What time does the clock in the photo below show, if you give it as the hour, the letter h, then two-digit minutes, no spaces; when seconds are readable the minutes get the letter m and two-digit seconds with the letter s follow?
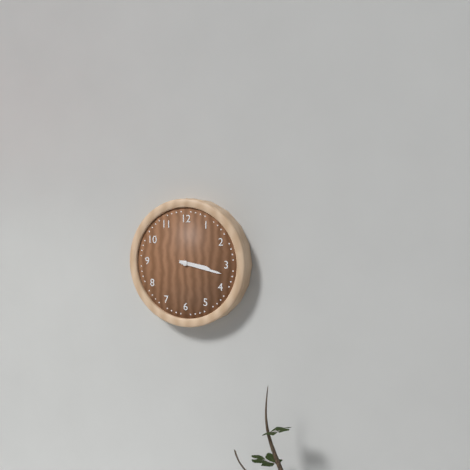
3h17
